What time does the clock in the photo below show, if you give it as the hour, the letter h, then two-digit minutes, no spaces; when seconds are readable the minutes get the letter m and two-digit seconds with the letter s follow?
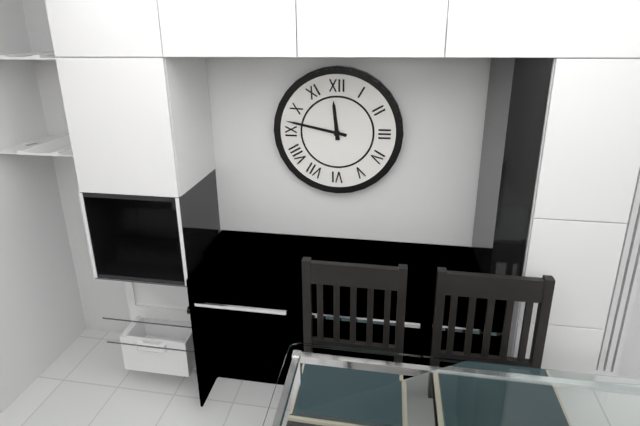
11h47
